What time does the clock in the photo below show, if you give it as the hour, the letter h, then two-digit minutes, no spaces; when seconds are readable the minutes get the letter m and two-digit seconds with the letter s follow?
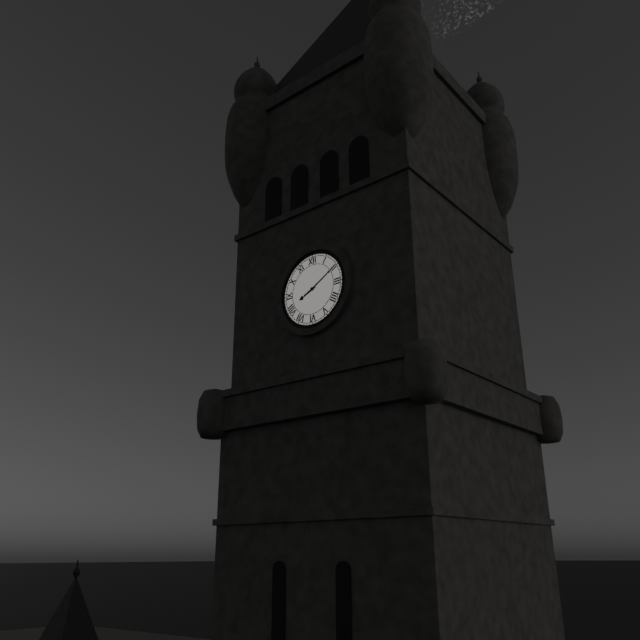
8h10
